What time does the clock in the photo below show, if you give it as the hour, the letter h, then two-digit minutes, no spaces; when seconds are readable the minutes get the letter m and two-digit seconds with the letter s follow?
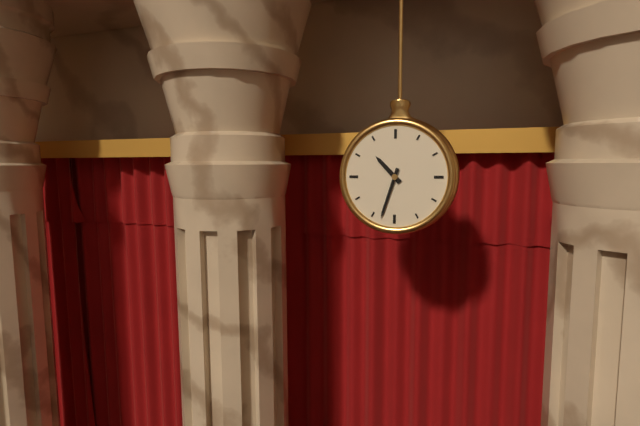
10h33
